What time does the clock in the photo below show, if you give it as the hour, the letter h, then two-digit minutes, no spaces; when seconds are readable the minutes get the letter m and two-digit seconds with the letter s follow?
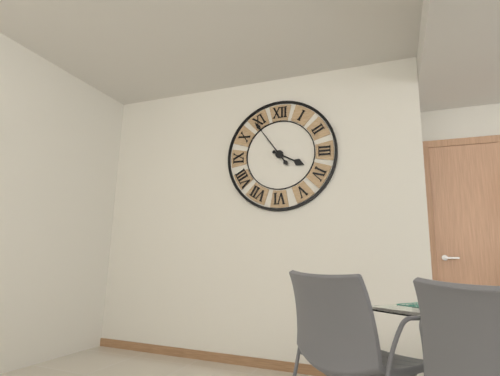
3h54
